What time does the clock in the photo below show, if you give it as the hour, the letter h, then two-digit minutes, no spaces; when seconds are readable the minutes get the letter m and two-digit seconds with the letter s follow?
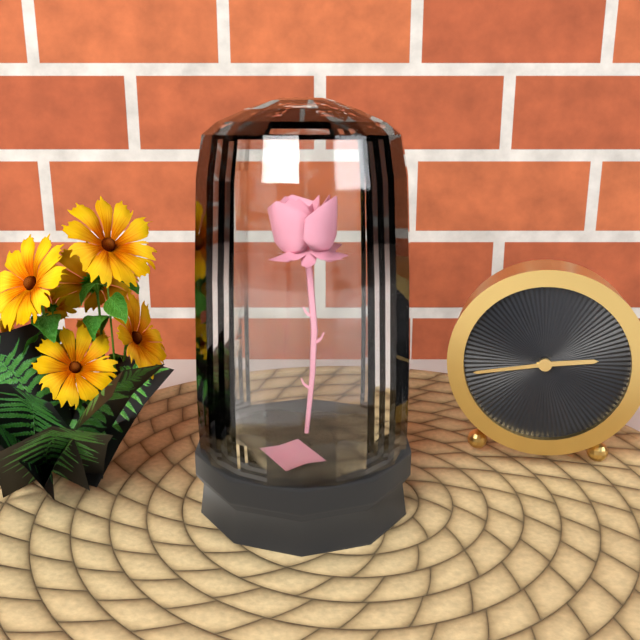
2h43
